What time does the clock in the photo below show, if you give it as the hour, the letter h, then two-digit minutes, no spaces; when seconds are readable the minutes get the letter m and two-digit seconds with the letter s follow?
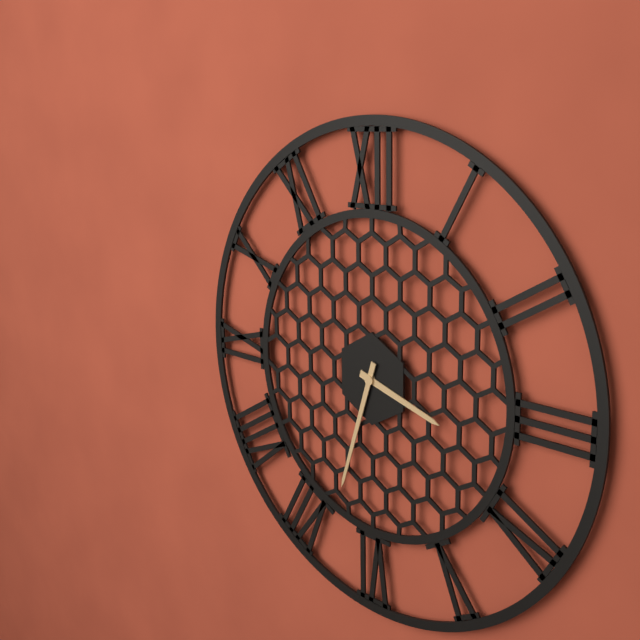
3h33
